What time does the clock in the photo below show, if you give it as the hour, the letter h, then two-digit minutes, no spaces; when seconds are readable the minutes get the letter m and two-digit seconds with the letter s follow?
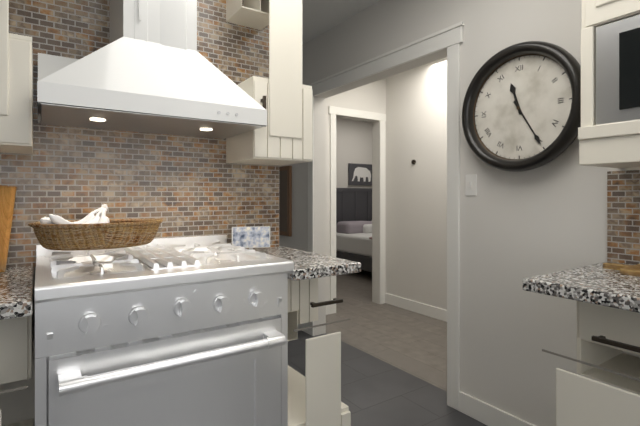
11h25
